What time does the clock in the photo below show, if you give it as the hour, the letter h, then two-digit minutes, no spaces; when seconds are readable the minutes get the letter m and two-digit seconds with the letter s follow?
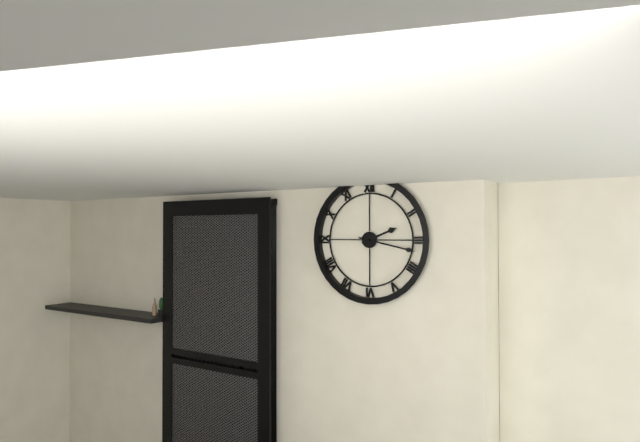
2h17
